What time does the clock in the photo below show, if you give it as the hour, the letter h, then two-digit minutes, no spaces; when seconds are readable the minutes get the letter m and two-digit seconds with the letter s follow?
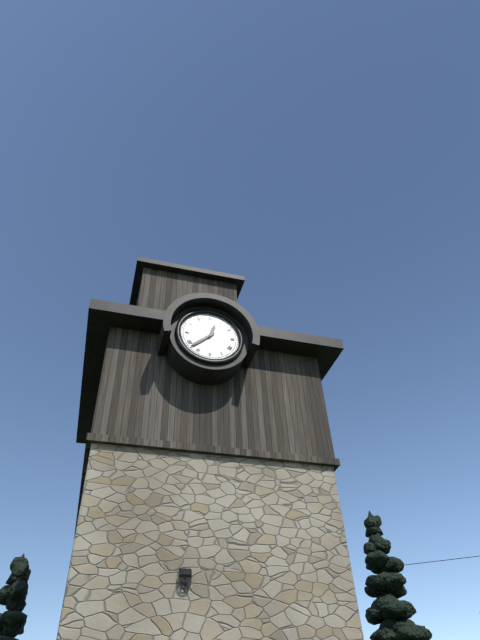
12h38
